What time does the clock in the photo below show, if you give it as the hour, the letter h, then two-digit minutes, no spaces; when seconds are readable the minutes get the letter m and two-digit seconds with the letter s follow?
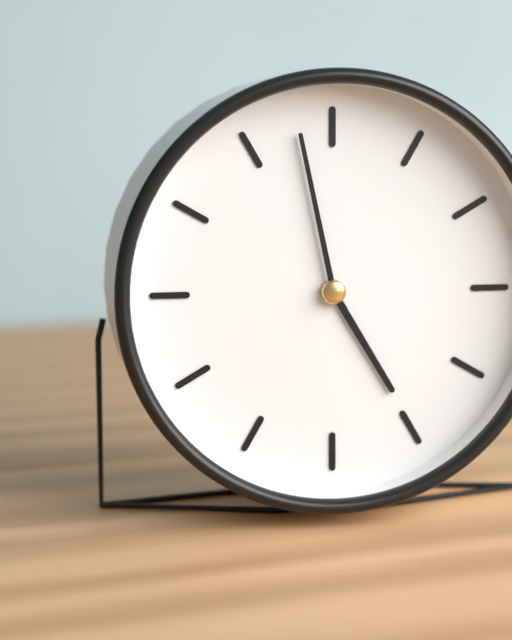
4h58
